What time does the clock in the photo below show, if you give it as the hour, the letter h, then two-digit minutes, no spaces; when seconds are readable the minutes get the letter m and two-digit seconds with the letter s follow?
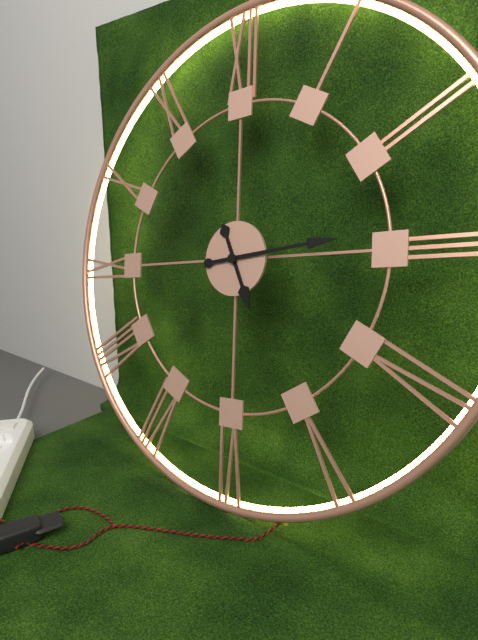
5h14
